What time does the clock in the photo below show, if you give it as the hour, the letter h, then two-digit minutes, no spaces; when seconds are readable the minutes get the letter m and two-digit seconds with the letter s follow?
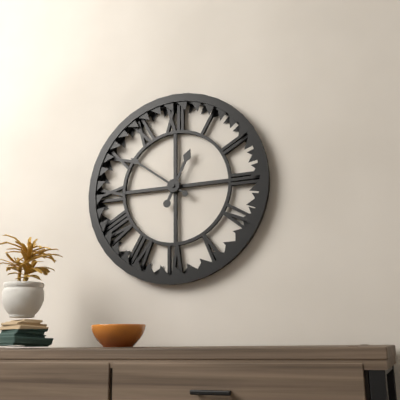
12h51
